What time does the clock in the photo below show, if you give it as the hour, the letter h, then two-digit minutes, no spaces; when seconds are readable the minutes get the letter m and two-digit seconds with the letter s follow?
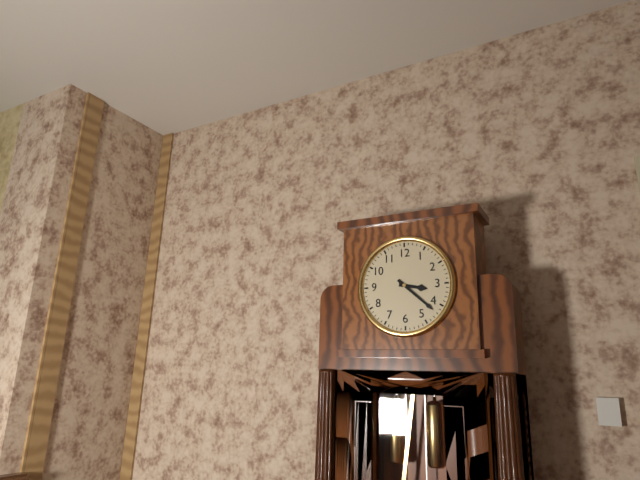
3h22
